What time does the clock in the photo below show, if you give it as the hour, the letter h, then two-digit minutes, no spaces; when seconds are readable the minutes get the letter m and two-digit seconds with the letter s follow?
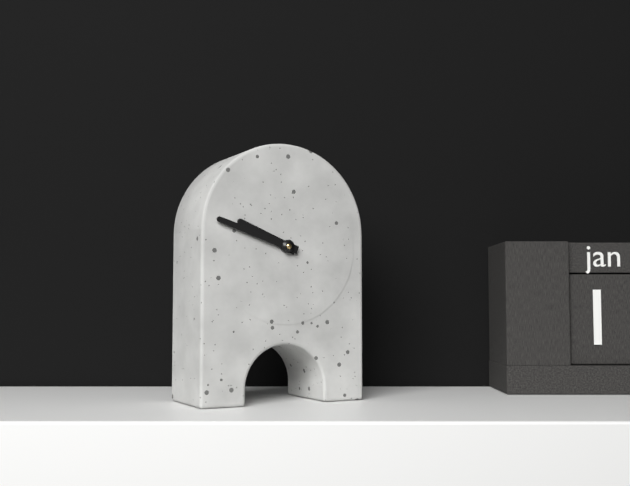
9h48
